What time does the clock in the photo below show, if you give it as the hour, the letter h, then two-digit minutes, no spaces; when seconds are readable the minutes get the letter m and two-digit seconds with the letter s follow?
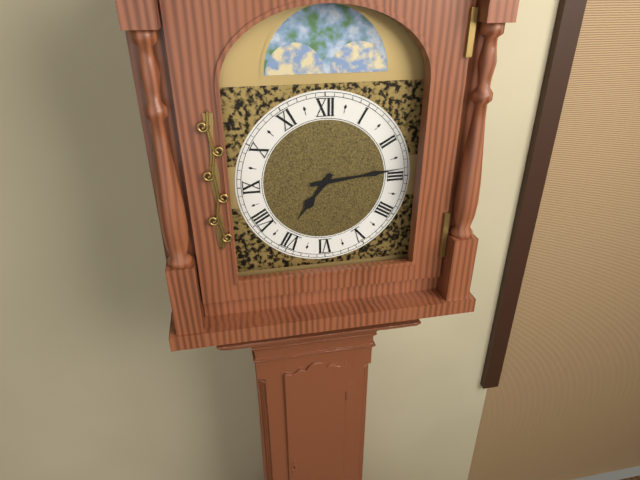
7h14
